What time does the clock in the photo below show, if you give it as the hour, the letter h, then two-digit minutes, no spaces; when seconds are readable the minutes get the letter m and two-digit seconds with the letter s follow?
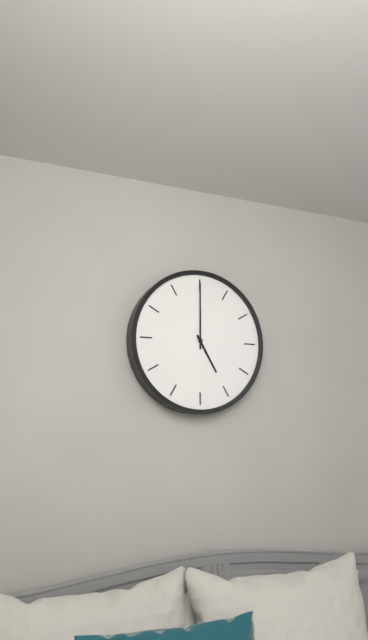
5h00
